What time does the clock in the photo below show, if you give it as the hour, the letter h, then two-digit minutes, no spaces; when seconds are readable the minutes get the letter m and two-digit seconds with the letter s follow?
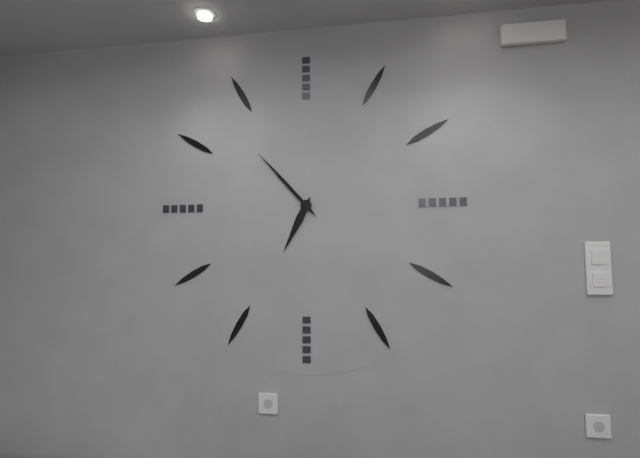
6h53
